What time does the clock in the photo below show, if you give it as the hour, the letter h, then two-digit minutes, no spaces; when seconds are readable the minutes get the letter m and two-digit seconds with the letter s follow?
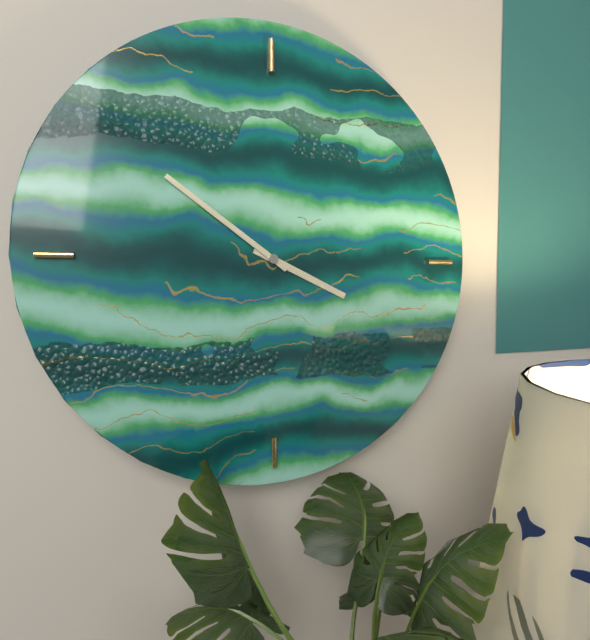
3h51
